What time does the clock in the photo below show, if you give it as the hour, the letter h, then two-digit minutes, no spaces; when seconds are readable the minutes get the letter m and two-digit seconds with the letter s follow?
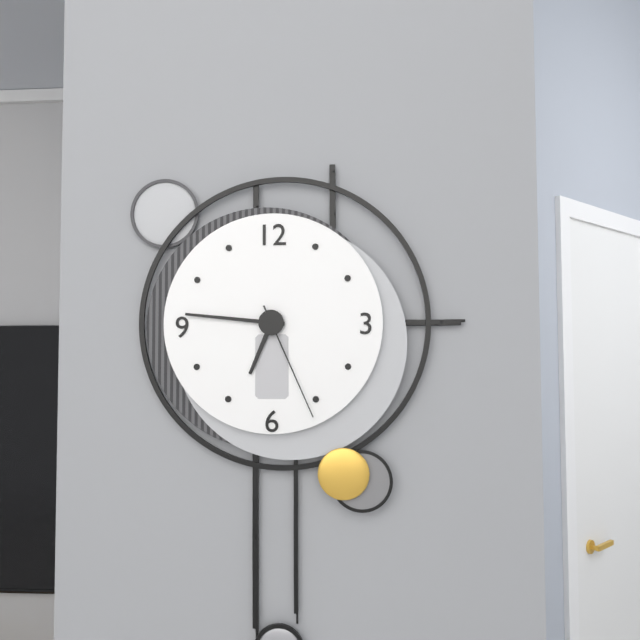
6h46m26s
